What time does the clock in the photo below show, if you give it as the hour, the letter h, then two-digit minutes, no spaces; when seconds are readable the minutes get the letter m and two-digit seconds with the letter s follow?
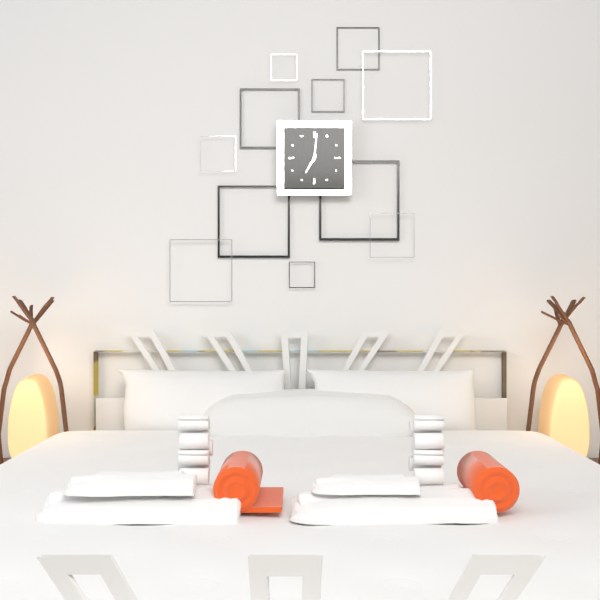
7h01
